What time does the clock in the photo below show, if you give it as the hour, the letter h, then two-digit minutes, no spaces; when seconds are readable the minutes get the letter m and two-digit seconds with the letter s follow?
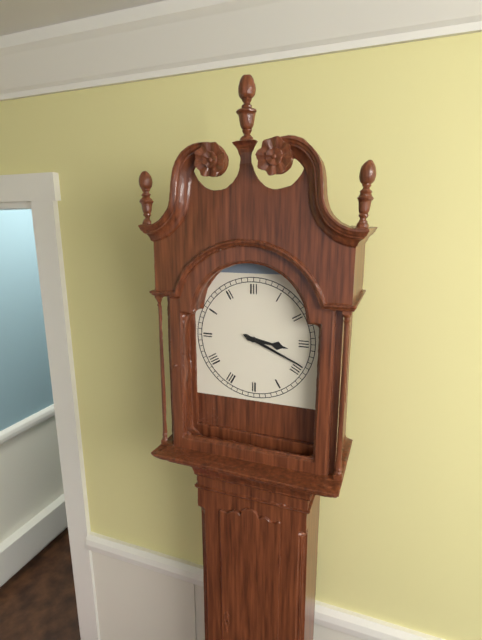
3h19
